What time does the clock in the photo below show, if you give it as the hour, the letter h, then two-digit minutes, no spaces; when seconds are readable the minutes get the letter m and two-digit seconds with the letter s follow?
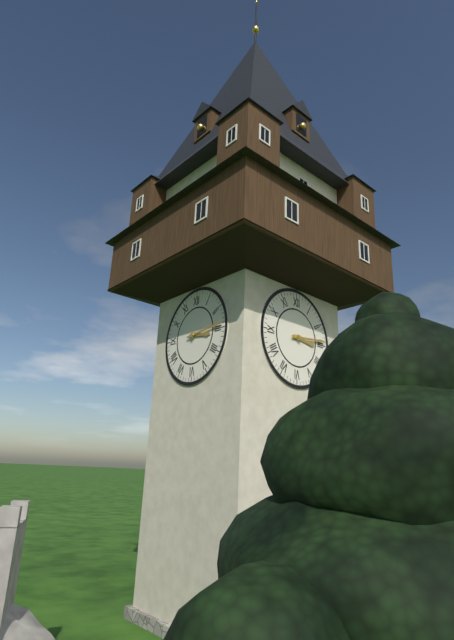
3h14
